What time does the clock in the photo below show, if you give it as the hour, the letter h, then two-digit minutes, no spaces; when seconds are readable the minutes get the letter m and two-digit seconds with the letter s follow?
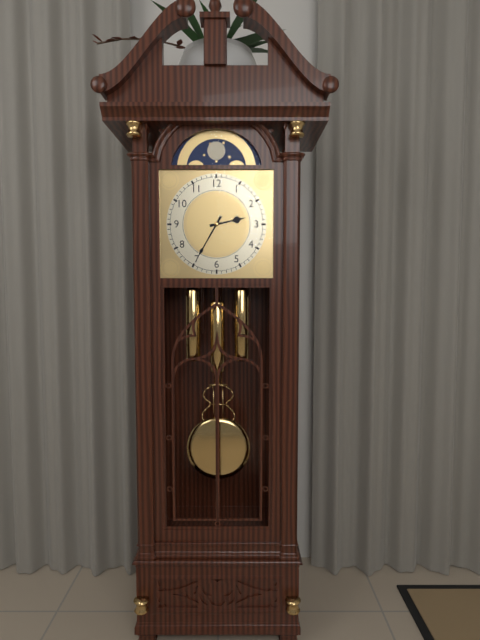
2h35
